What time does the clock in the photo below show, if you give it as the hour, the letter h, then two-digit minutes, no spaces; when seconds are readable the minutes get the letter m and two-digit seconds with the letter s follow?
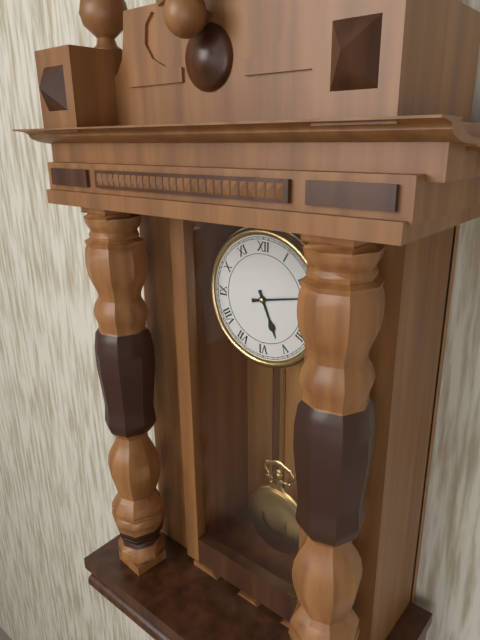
5h13
